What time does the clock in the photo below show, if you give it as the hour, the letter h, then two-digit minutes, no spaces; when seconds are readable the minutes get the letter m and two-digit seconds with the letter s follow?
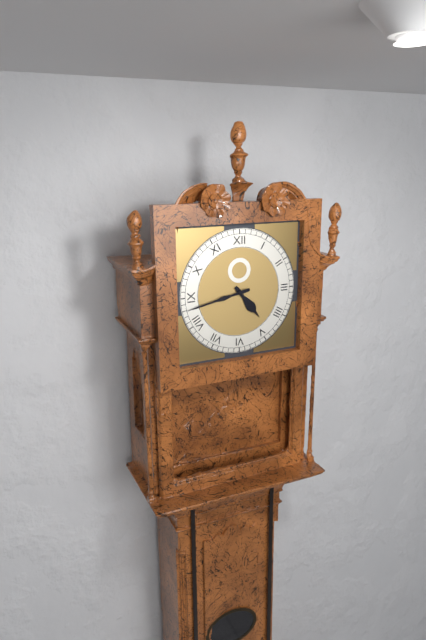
4h43
